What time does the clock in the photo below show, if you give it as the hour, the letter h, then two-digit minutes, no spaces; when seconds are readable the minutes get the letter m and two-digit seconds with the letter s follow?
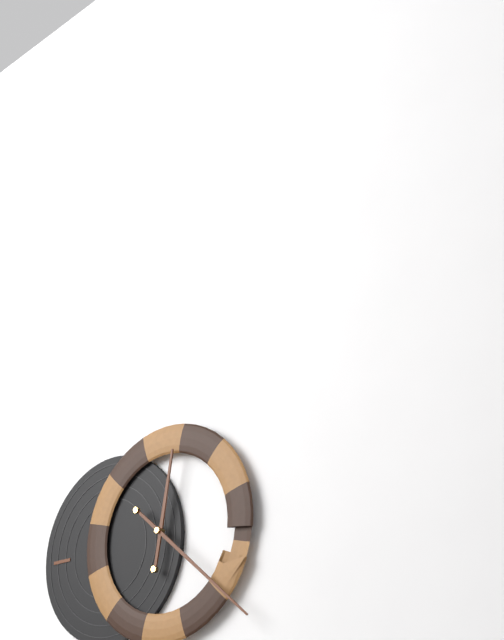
12h22
